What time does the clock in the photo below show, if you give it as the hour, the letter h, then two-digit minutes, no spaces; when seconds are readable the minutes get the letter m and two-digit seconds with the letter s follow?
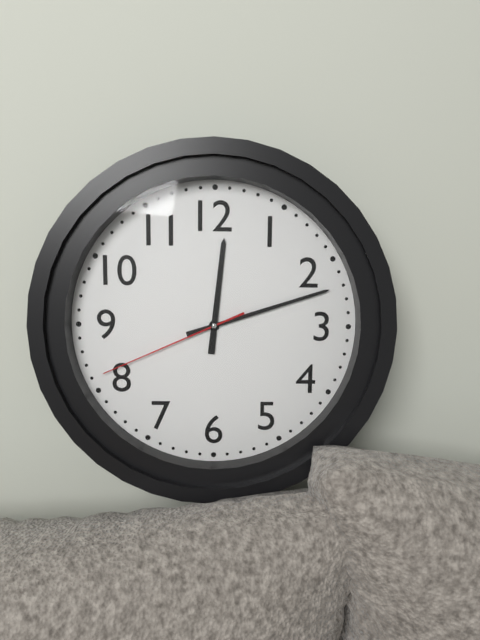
12h12m41s
